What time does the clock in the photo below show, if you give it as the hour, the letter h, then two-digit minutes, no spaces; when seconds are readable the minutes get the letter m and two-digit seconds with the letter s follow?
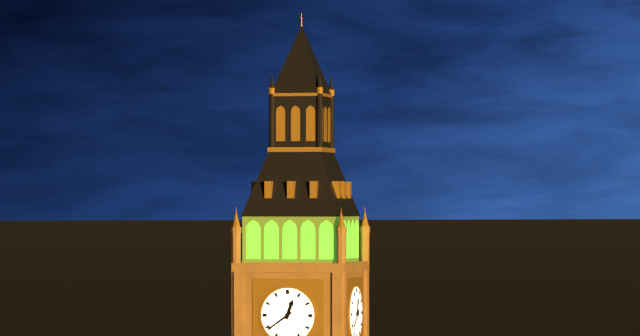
12h39
